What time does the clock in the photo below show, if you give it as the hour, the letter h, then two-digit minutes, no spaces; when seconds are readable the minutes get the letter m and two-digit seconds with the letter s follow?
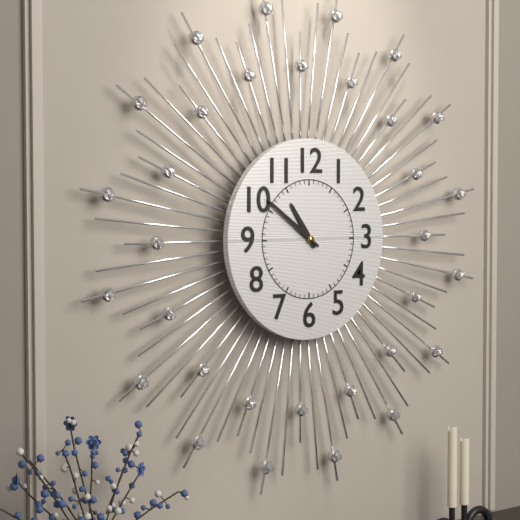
10h51
